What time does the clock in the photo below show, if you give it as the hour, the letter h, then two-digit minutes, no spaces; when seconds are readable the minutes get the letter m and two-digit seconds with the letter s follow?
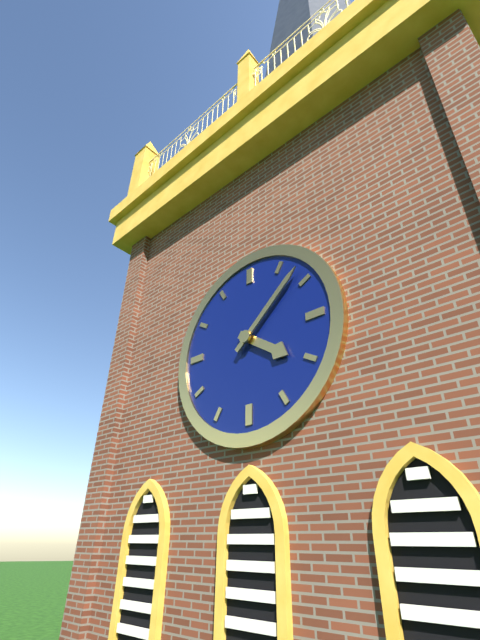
4h08
